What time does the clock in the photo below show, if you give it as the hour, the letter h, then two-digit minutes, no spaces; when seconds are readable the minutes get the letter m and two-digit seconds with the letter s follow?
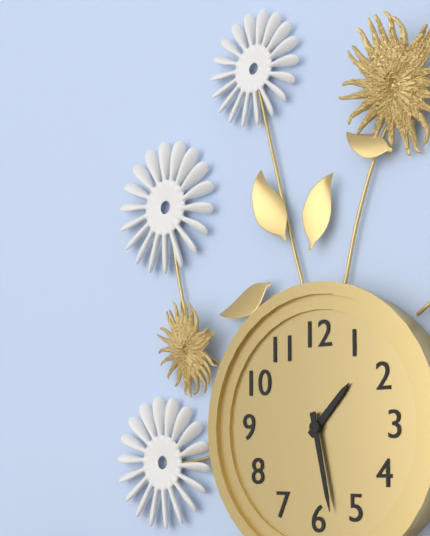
1h28
